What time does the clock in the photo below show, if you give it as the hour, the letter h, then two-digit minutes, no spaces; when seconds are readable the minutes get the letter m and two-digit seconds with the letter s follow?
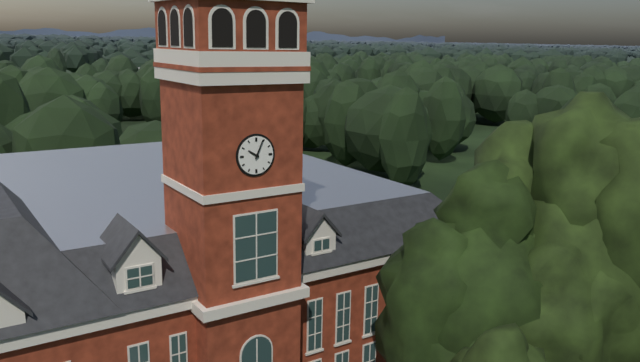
10h04
